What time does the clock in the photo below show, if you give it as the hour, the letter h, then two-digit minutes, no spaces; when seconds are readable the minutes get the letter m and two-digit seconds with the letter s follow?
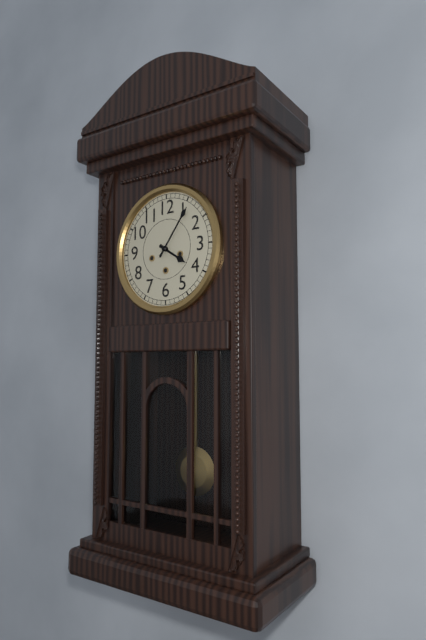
4h06
